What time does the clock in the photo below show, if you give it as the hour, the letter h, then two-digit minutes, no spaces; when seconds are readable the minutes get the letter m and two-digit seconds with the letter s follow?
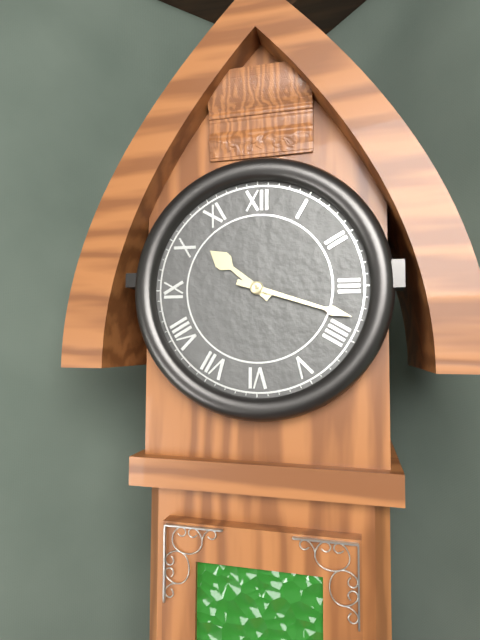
10h18
